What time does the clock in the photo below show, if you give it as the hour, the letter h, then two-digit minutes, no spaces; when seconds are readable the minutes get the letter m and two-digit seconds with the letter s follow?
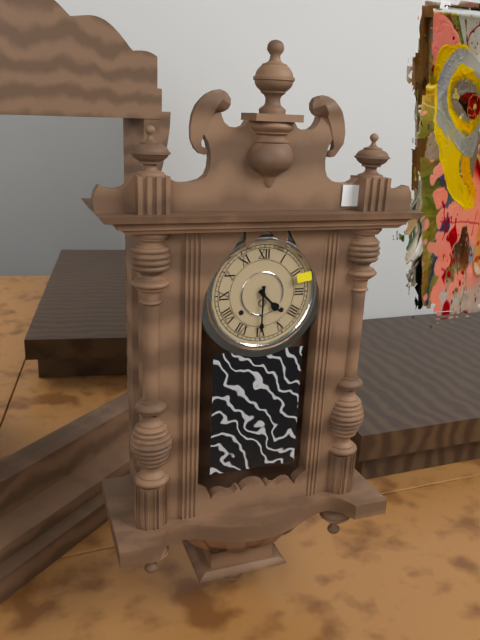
4h30
